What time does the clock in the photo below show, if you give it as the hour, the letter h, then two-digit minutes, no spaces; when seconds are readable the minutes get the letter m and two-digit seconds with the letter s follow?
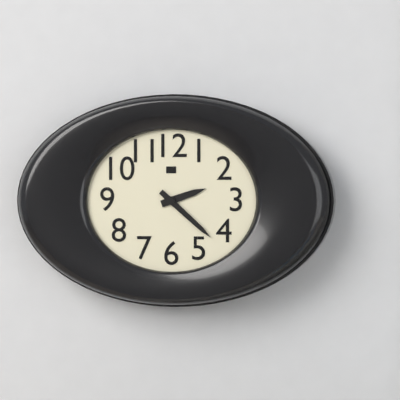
2h22
